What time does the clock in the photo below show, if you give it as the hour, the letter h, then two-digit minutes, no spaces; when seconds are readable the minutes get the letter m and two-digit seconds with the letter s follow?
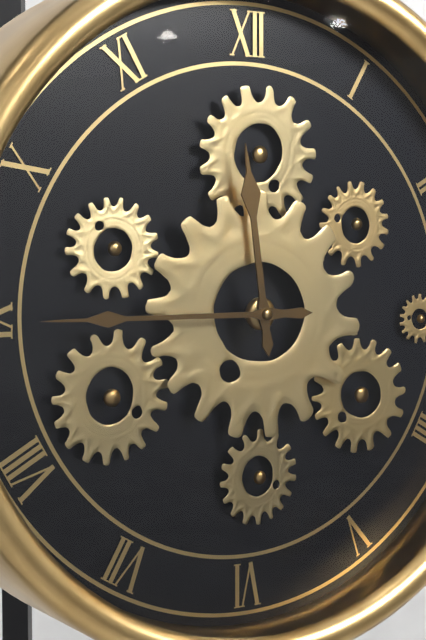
11h45
